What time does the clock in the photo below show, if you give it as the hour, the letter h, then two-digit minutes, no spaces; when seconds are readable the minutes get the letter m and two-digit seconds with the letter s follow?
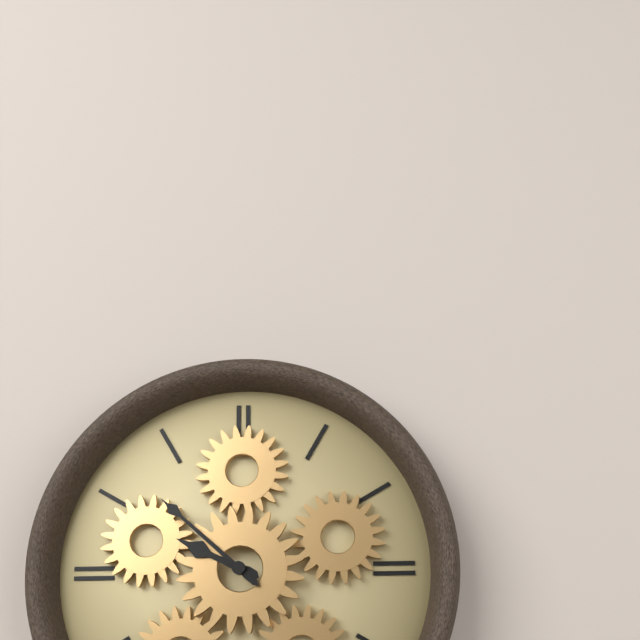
9h52
